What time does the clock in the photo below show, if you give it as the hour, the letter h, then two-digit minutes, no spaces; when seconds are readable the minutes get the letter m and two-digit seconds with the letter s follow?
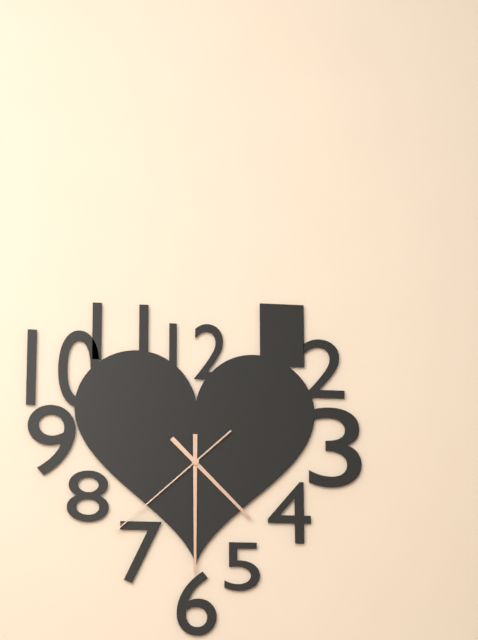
4h30m38s
